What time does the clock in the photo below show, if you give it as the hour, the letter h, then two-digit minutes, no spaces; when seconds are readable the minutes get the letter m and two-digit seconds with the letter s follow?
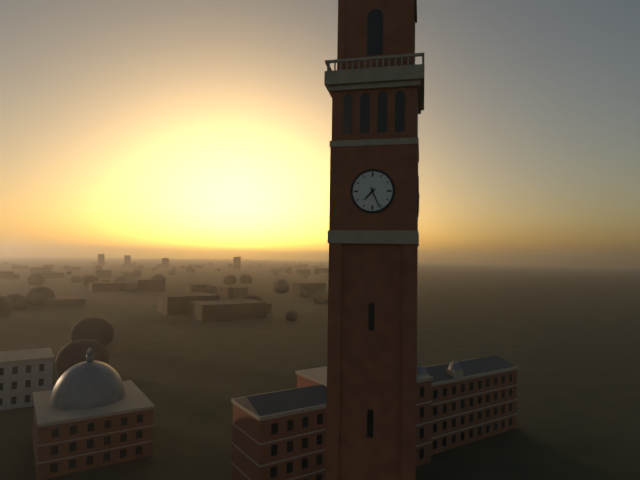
7h26
